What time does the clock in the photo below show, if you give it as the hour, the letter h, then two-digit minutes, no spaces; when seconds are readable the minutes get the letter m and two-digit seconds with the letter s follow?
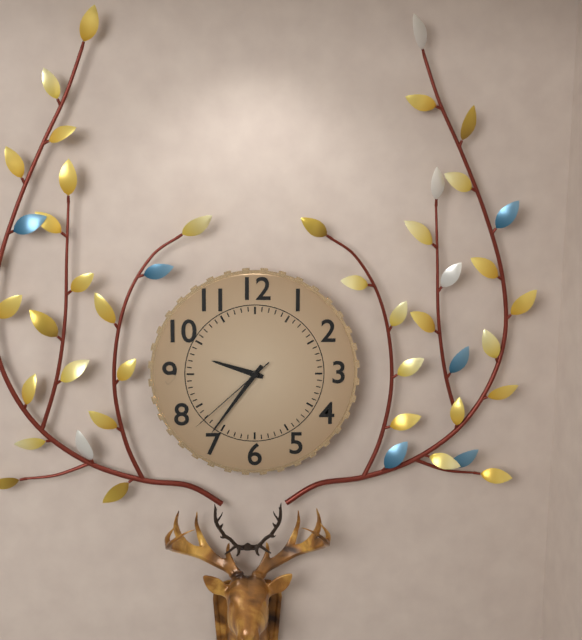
9h36m38s
